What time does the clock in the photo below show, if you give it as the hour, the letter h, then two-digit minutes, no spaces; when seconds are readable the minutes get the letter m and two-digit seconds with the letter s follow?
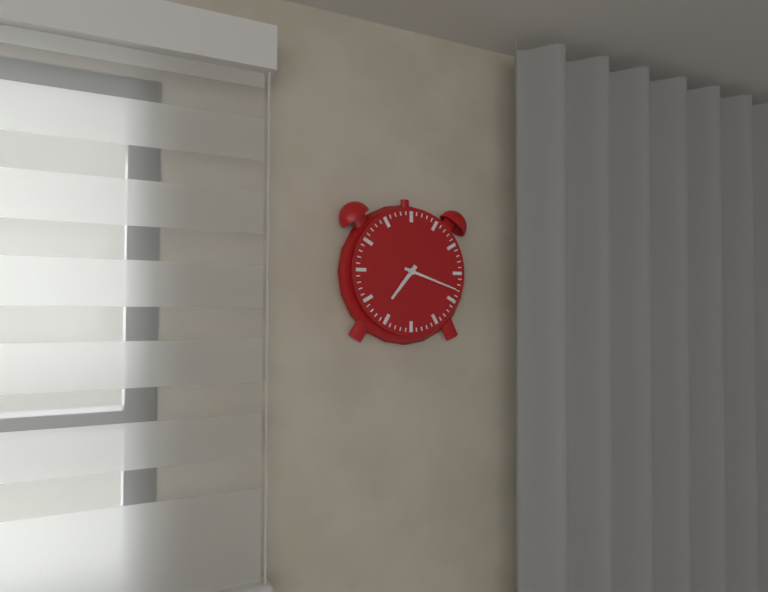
7h18
